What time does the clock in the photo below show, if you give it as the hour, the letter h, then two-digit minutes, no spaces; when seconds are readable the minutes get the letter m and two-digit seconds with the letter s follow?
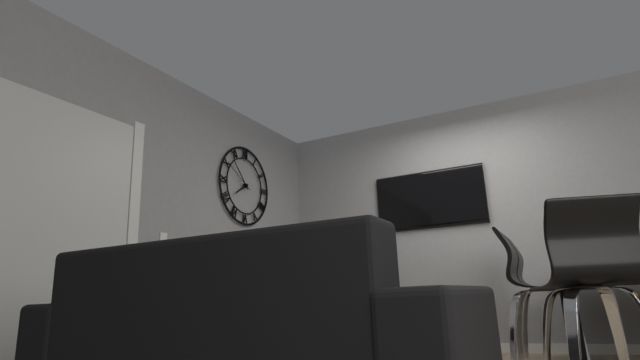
7h53
